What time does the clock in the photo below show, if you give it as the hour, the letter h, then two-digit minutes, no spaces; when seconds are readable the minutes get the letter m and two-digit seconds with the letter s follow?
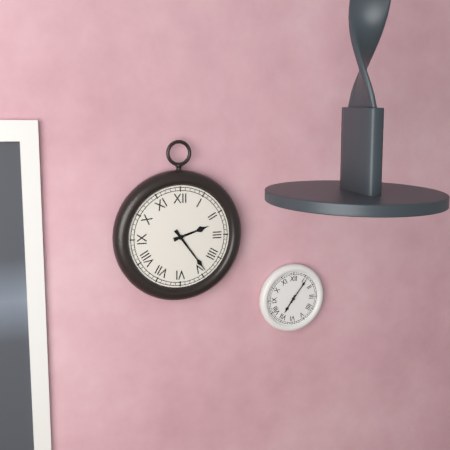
2h24
